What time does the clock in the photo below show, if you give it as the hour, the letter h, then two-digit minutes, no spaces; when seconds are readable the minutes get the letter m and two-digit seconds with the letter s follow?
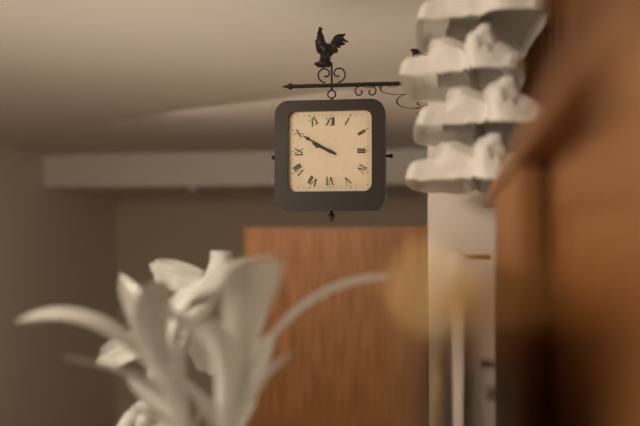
9h50
